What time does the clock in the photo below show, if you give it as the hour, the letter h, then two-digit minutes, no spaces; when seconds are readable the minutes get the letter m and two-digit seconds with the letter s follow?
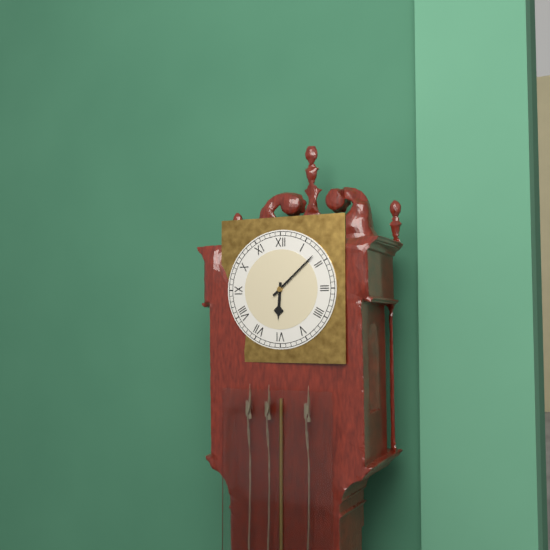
6h08
